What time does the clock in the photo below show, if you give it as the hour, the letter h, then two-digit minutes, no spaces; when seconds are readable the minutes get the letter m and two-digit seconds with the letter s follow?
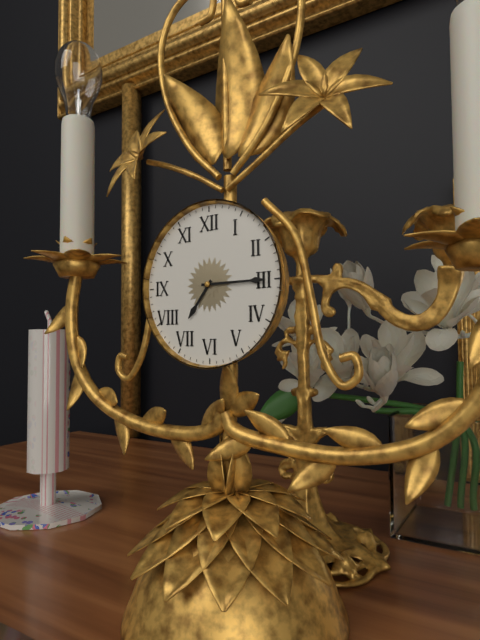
7h15
